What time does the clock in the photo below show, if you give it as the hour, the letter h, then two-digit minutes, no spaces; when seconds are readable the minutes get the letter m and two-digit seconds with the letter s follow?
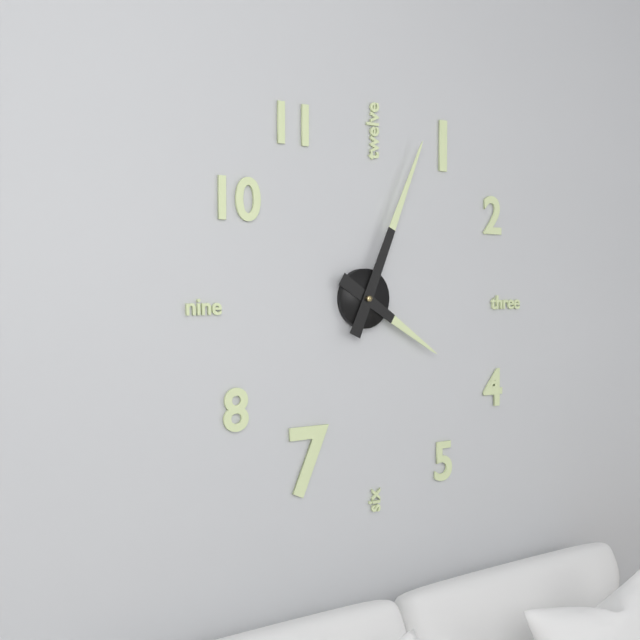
4h04
